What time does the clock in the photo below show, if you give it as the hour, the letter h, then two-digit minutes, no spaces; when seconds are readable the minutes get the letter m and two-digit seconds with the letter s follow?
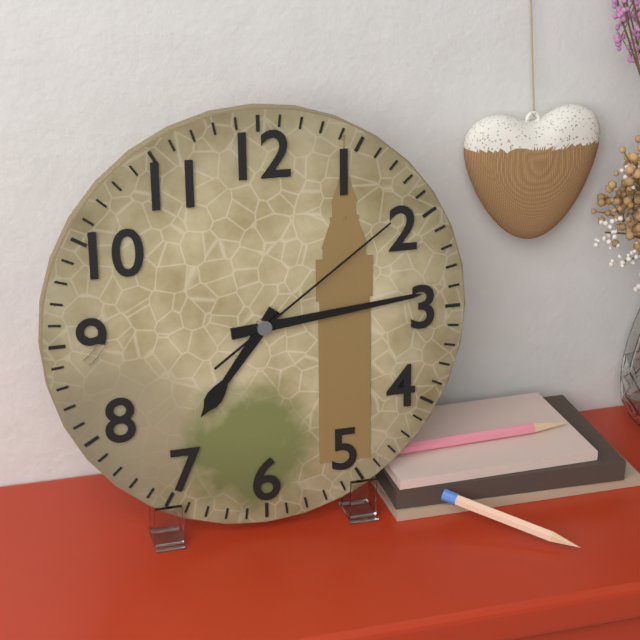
7h14m09s
